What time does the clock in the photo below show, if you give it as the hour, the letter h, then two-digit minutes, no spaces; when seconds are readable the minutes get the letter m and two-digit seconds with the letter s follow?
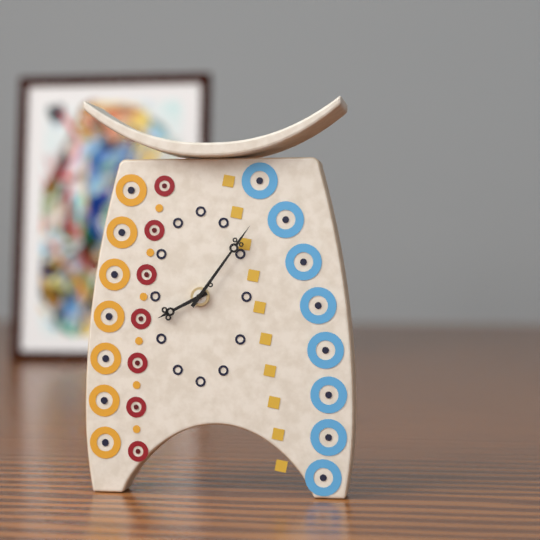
8h06
